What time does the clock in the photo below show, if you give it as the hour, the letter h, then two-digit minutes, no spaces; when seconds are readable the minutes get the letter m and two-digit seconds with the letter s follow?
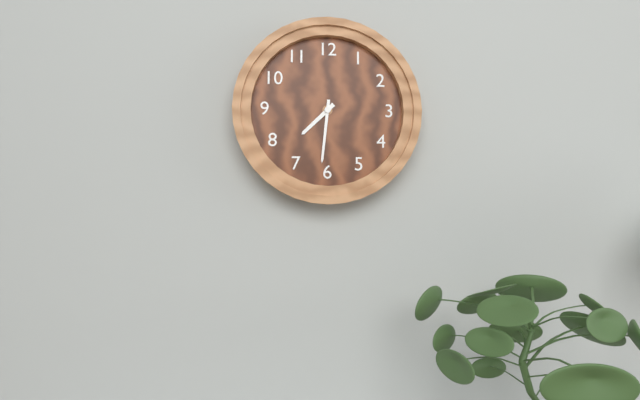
7h31
